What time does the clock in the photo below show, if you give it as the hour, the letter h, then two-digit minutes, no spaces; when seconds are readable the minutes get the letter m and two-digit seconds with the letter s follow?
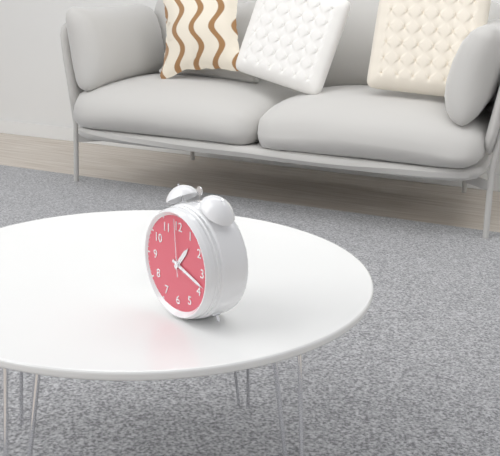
1h18m59s
